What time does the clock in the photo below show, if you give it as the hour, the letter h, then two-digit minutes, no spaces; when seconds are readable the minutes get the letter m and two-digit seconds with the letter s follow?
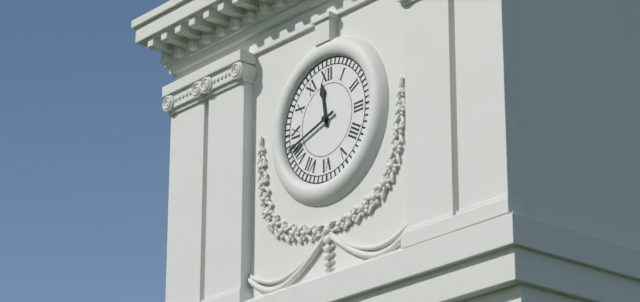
11h42
